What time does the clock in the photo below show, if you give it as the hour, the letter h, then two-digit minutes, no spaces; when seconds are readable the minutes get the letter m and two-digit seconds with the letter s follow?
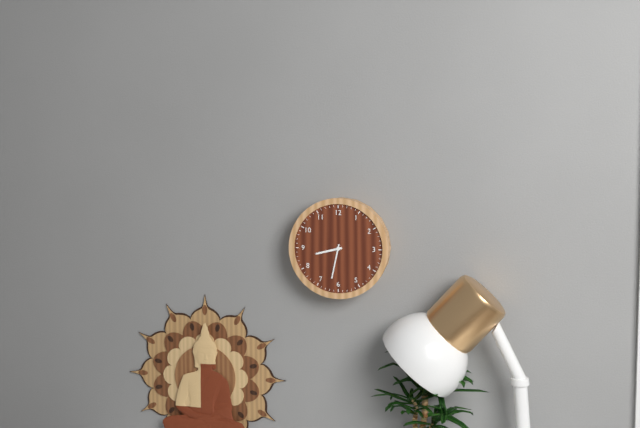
8h32
